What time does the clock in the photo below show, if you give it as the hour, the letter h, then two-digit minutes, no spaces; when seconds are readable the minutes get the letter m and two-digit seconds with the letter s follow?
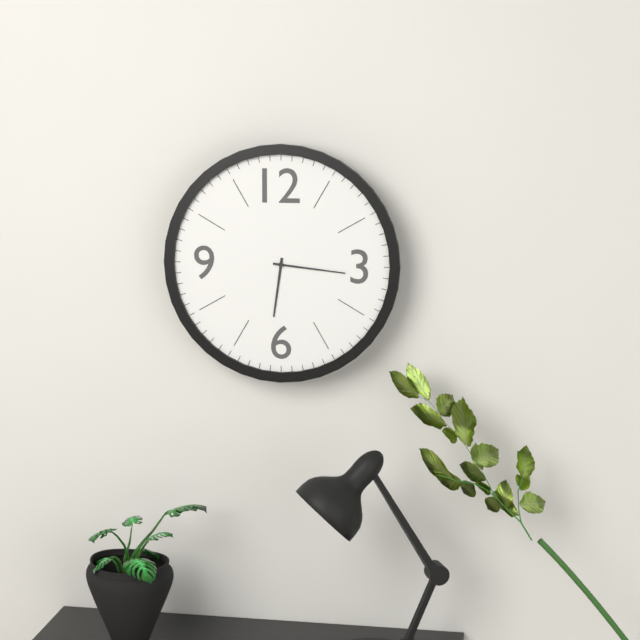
6h16
